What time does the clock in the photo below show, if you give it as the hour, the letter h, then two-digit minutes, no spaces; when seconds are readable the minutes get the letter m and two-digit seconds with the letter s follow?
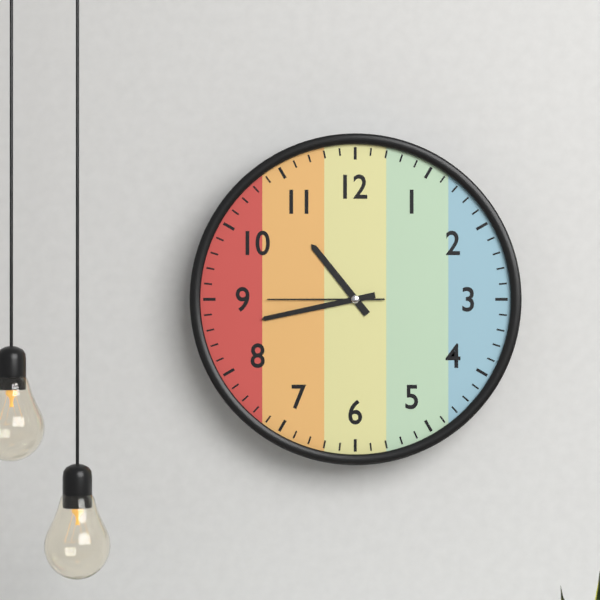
10h43m45s
